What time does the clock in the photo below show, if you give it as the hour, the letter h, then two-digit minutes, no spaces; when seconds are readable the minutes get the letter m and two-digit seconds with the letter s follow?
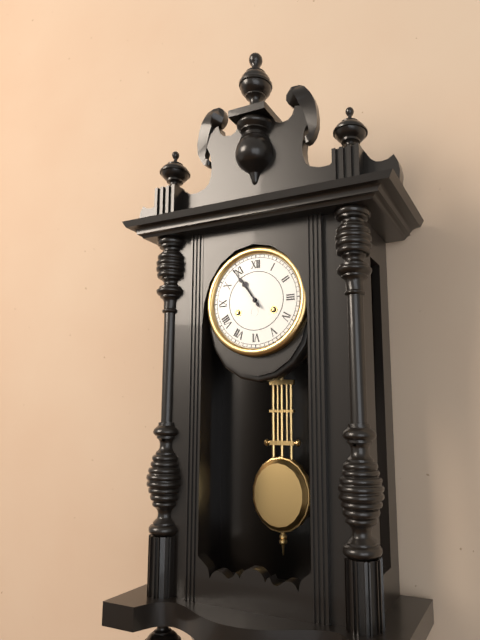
10h54
